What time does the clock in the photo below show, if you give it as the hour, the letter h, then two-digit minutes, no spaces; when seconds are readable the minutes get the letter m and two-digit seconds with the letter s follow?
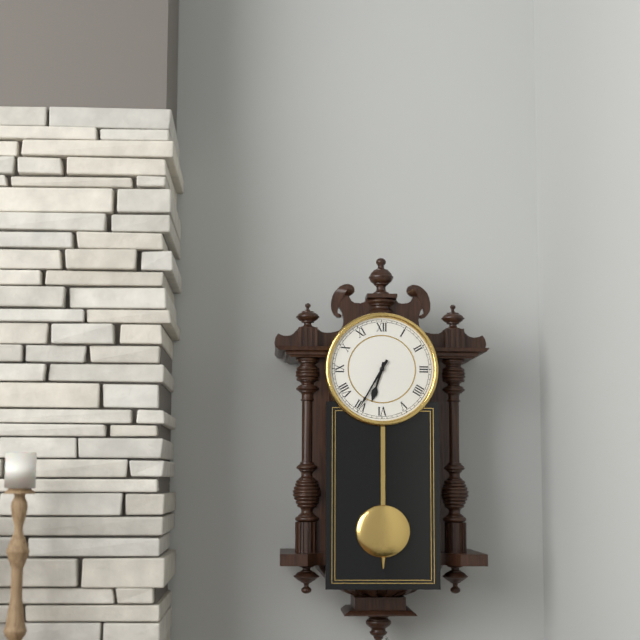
6h35
